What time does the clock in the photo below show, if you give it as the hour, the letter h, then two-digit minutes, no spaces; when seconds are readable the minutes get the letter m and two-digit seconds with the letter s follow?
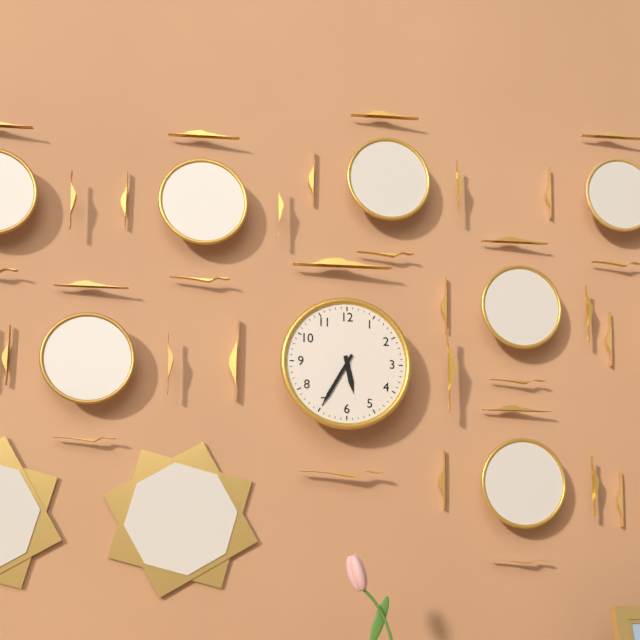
5h35
